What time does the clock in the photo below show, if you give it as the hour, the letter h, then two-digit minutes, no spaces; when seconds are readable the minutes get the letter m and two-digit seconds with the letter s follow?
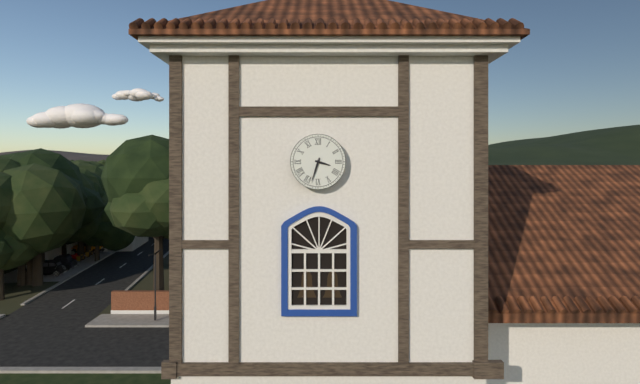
3h33
